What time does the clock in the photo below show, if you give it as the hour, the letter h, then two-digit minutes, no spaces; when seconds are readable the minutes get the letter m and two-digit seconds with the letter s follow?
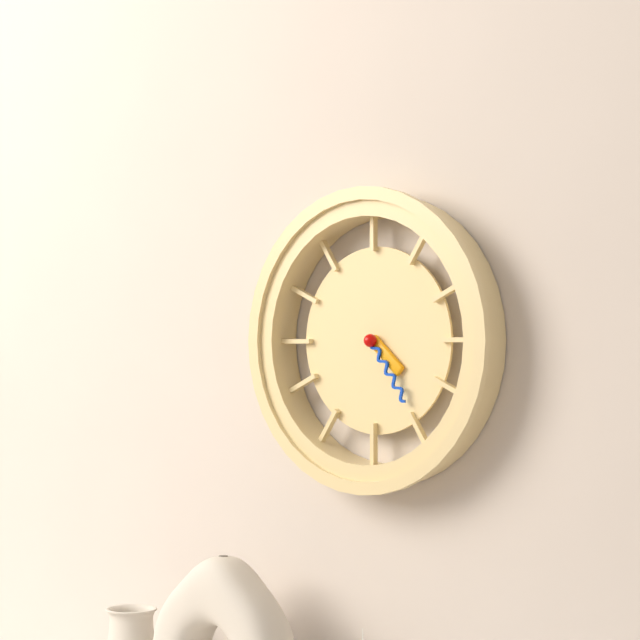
4h24
